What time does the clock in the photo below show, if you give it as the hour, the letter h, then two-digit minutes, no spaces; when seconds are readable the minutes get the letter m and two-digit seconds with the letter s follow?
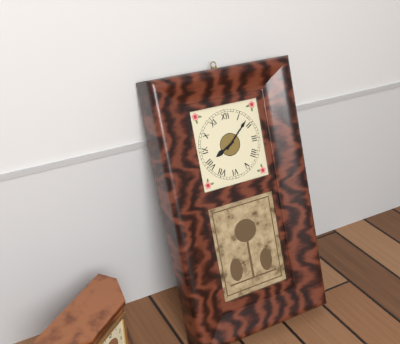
8h08
